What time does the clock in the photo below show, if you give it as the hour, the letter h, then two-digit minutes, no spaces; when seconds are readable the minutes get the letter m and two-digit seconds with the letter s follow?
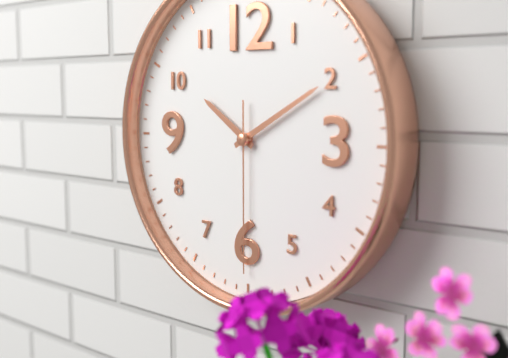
10h10m30s
